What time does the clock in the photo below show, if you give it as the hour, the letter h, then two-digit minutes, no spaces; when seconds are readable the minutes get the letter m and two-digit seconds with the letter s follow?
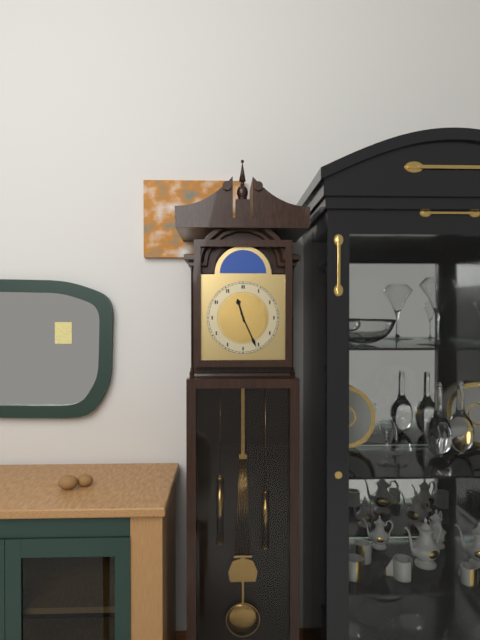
11h26
